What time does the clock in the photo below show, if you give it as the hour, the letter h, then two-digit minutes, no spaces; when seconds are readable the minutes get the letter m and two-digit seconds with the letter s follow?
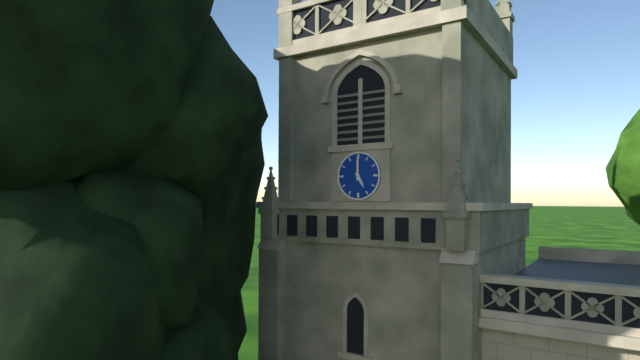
5h00
